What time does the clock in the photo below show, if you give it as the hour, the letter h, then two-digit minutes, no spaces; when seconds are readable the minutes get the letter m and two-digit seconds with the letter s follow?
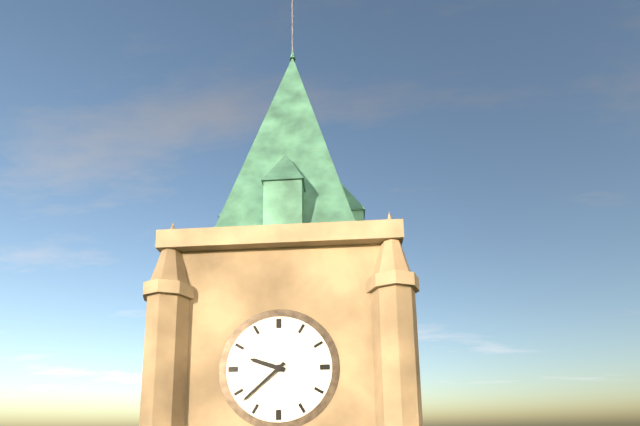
9h38
